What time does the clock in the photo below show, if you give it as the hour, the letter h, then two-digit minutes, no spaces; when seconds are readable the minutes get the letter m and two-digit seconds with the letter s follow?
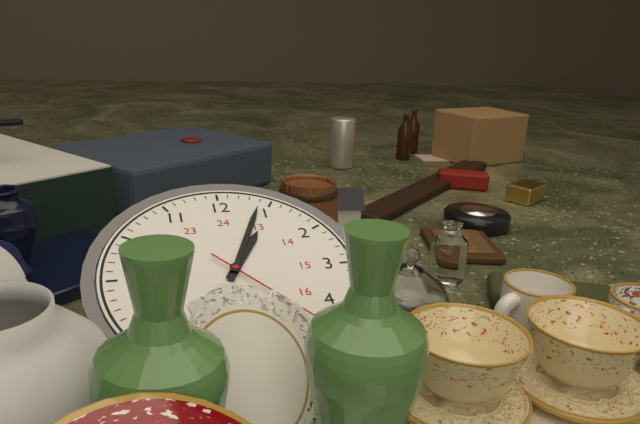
1h04
